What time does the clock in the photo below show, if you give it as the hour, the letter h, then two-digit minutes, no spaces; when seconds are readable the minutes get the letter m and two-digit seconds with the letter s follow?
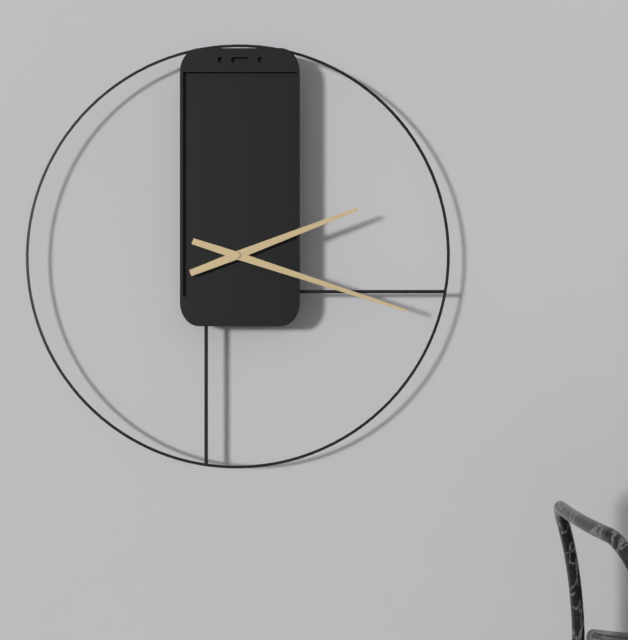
2h18
